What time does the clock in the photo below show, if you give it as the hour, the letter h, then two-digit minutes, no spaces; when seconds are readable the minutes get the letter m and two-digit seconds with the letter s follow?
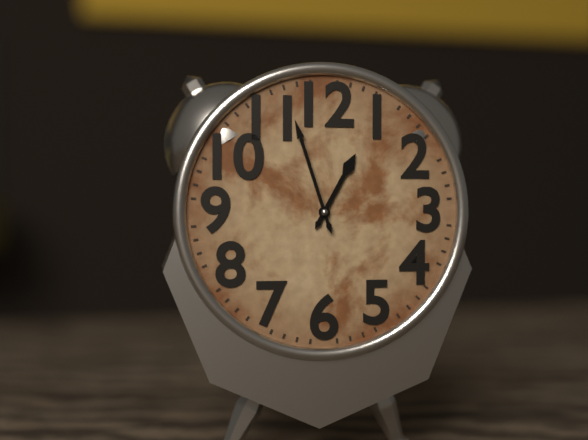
12h57
